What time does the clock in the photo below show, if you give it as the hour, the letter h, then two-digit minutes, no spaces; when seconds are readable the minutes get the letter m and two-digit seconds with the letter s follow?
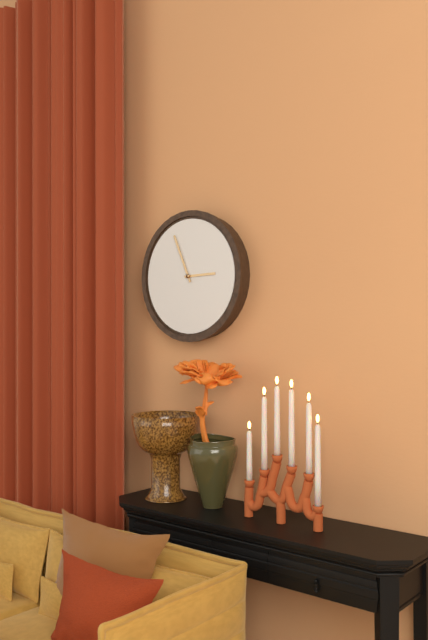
2h56
